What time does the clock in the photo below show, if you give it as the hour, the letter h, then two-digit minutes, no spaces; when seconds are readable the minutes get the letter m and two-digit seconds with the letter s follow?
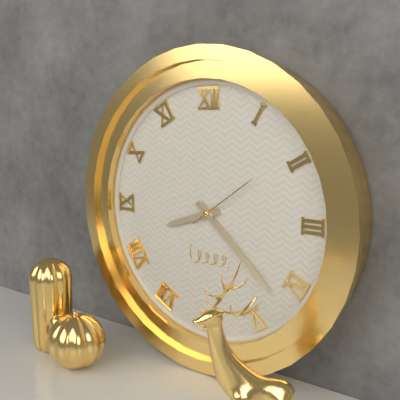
8h22m09s
